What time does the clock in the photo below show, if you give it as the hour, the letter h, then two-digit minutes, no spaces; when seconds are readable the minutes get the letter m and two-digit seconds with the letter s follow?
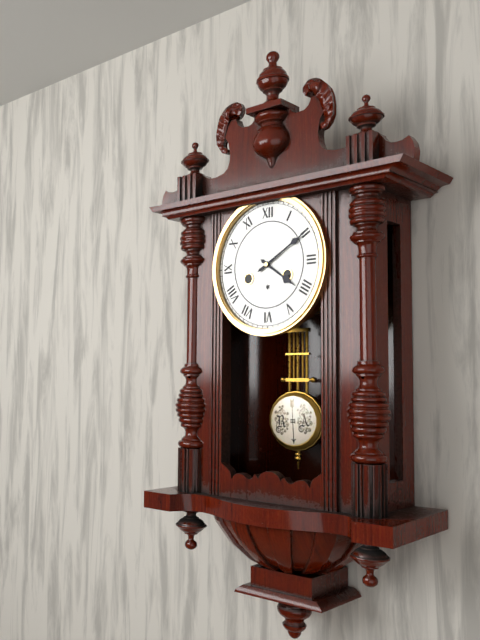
4h10
